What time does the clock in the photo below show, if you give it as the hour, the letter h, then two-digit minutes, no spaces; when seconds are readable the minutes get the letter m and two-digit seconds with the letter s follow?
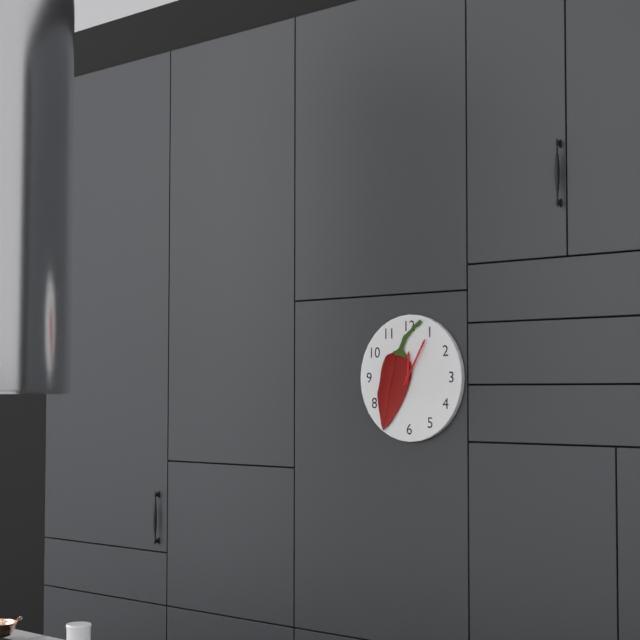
12h05
